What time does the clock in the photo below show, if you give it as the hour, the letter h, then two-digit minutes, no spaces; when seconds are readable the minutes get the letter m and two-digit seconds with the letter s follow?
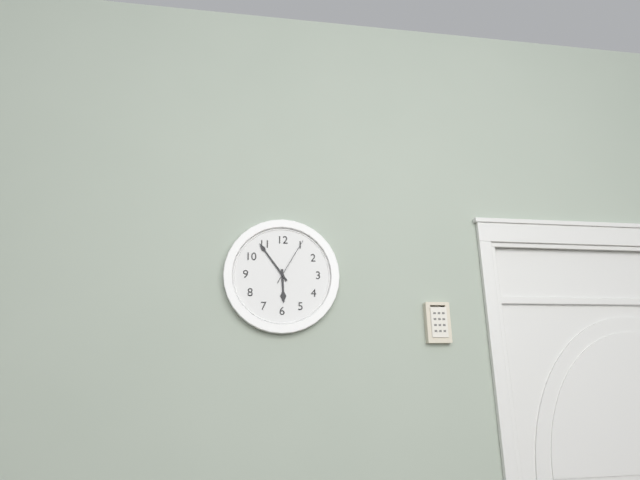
5h54m05s
